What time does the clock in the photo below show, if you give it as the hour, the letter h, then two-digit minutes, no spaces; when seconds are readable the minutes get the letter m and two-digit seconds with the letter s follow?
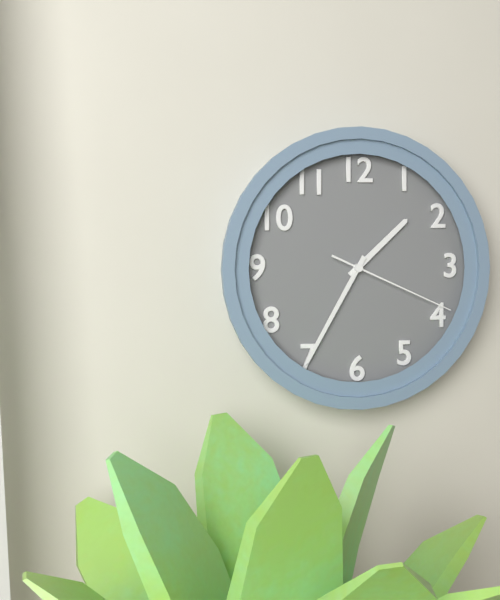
1h35m19s
